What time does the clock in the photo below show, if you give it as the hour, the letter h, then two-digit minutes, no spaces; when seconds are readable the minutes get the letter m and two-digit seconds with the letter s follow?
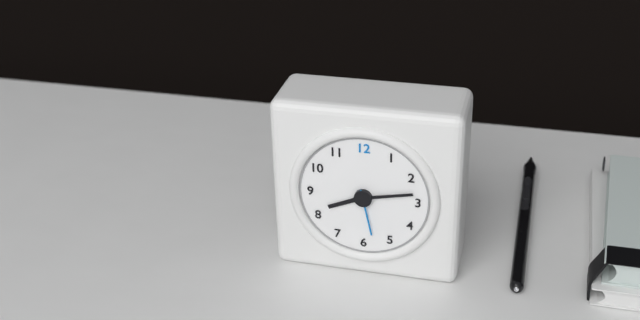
8h13
